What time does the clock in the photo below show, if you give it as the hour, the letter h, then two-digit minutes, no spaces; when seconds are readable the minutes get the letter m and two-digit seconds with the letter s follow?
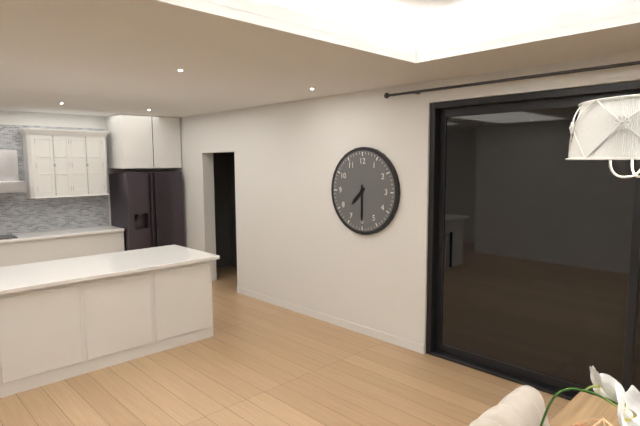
7h30
